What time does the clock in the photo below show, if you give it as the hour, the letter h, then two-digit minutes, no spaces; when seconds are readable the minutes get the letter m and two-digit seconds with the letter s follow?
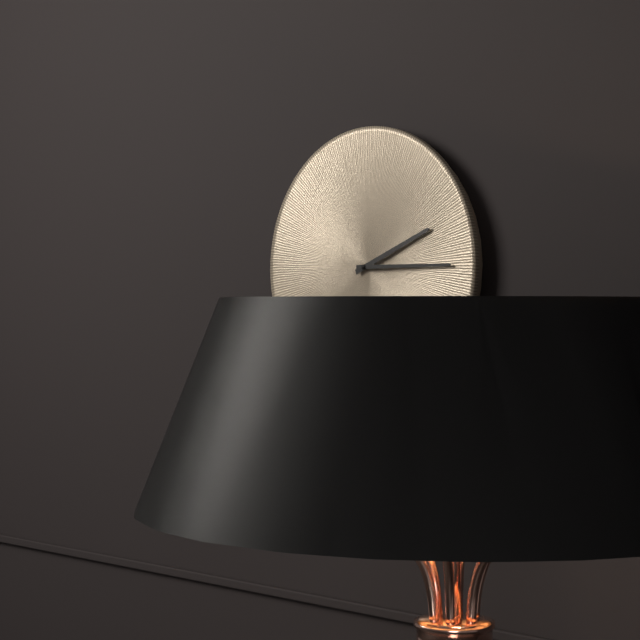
2h15
